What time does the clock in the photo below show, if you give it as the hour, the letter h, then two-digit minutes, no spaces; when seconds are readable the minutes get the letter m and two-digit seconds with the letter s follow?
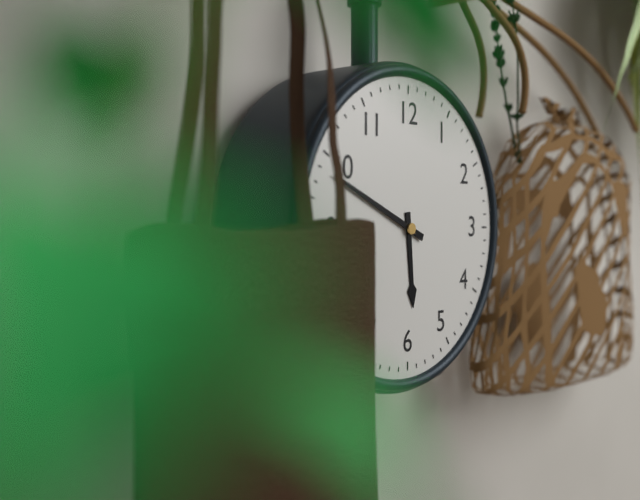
5h49
